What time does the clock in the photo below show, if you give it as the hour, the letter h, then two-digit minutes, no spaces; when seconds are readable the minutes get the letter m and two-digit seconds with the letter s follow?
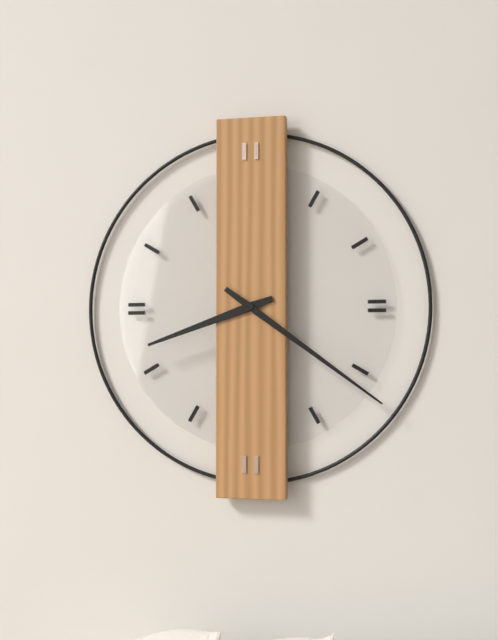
8h21
